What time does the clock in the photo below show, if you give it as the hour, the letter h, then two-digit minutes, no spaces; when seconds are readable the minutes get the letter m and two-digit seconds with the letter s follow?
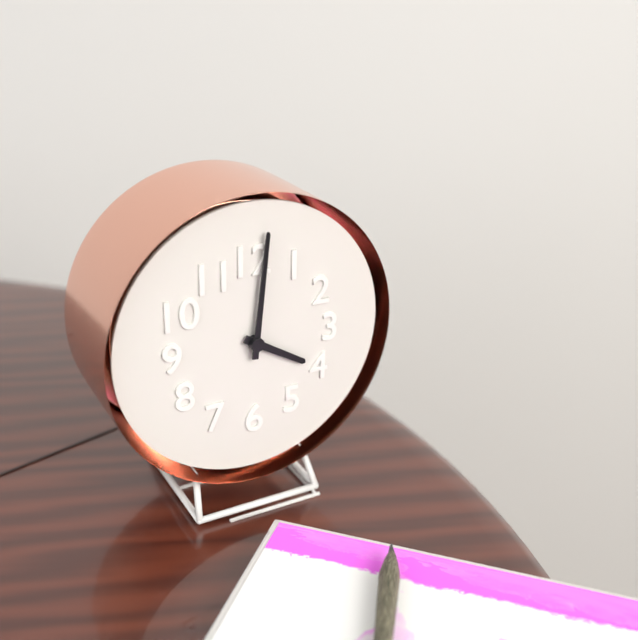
4h01
